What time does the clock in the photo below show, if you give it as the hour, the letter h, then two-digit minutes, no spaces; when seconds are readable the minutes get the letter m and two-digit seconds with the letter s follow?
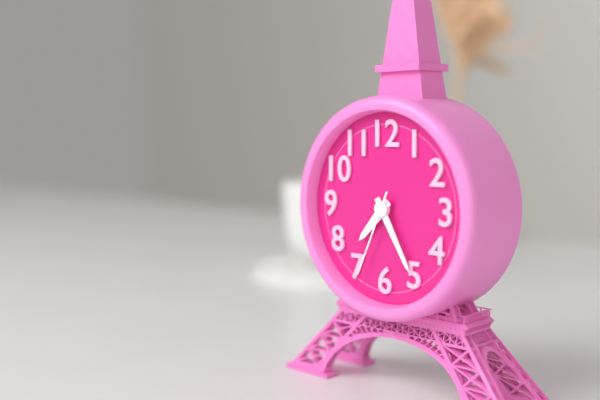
7h25m34s
